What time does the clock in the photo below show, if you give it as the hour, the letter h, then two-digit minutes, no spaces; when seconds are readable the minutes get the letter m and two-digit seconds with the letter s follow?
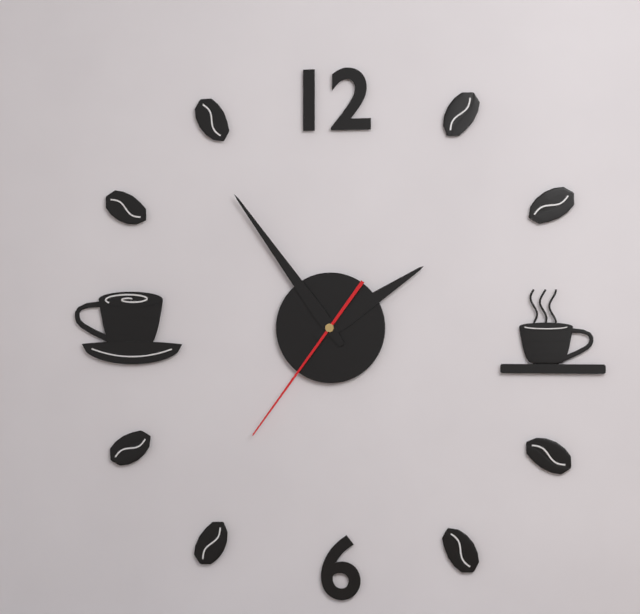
1h54m36s
